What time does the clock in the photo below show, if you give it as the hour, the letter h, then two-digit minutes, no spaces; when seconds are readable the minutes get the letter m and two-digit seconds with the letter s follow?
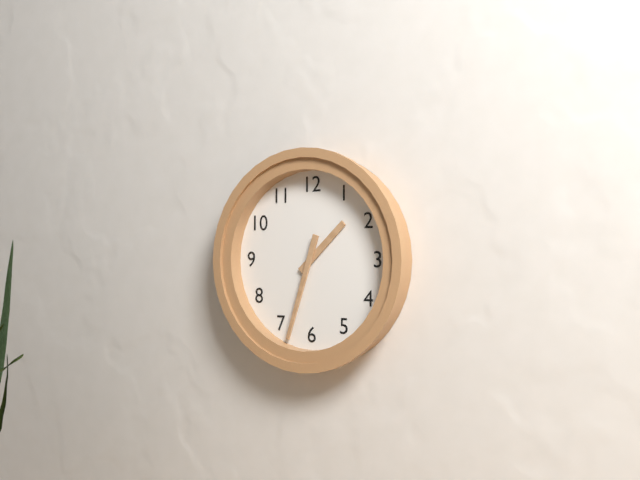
1h33
